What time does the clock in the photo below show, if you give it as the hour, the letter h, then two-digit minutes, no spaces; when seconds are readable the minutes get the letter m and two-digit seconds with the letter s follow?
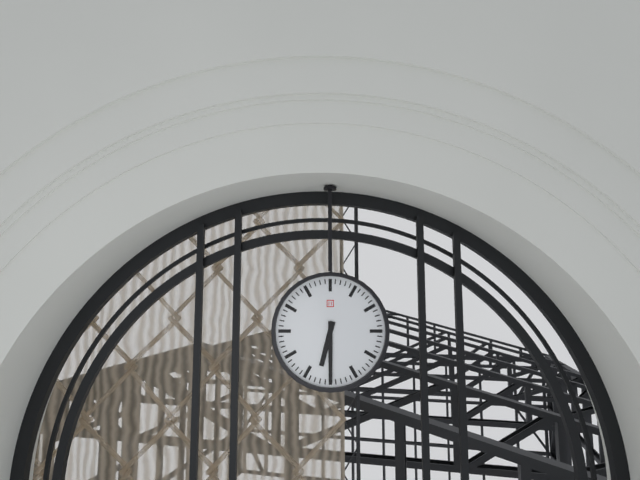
6h30
